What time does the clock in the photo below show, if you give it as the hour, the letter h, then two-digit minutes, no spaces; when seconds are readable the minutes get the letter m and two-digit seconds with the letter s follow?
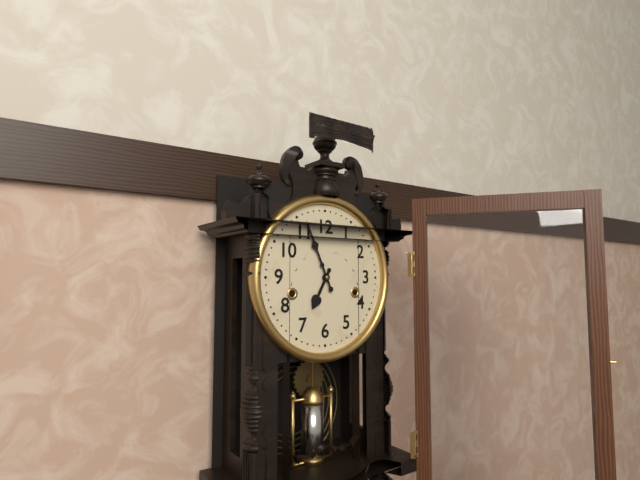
6h56
